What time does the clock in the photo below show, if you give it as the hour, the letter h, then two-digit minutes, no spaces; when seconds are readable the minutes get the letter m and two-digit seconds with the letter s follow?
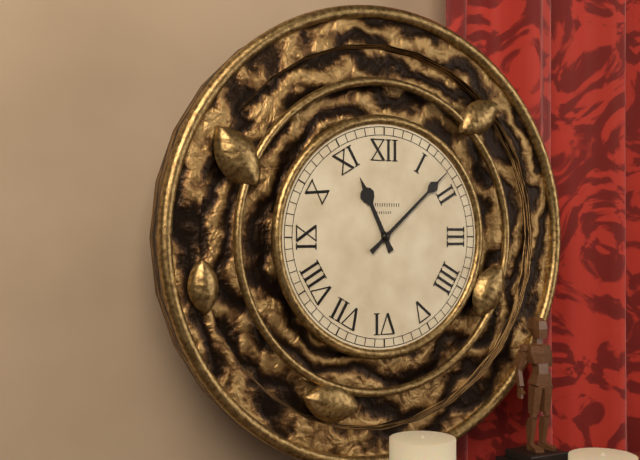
11h08
